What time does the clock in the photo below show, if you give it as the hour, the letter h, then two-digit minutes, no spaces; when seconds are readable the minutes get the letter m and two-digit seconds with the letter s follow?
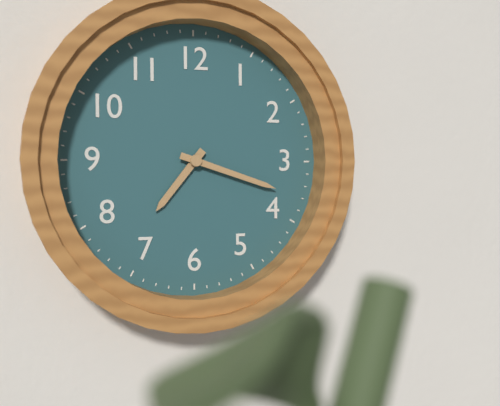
7h18
